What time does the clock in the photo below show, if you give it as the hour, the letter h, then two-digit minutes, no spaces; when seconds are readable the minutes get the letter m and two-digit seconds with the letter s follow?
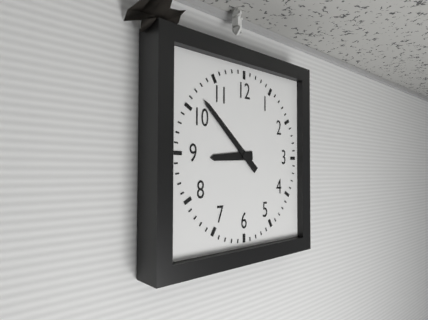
8h52
